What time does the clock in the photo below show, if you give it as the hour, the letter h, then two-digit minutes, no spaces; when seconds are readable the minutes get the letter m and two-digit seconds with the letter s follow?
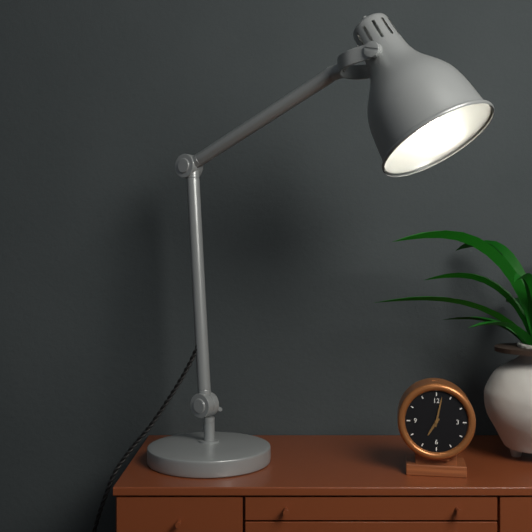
7h02
